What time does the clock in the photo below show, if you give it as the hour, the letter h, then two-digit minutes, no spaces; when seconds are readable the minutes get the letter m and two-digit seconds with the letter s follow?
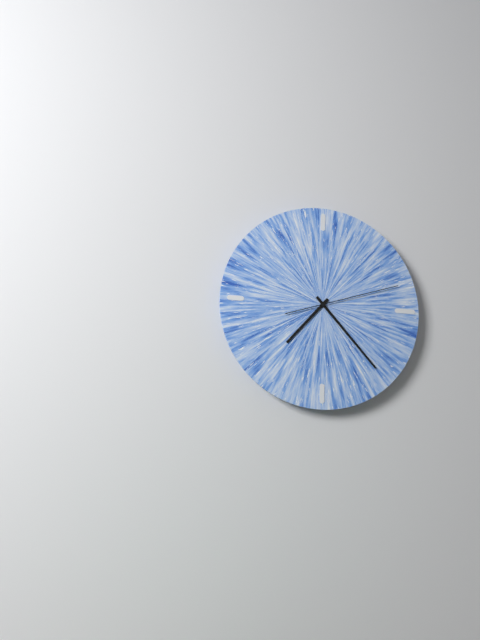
7h23m12s
